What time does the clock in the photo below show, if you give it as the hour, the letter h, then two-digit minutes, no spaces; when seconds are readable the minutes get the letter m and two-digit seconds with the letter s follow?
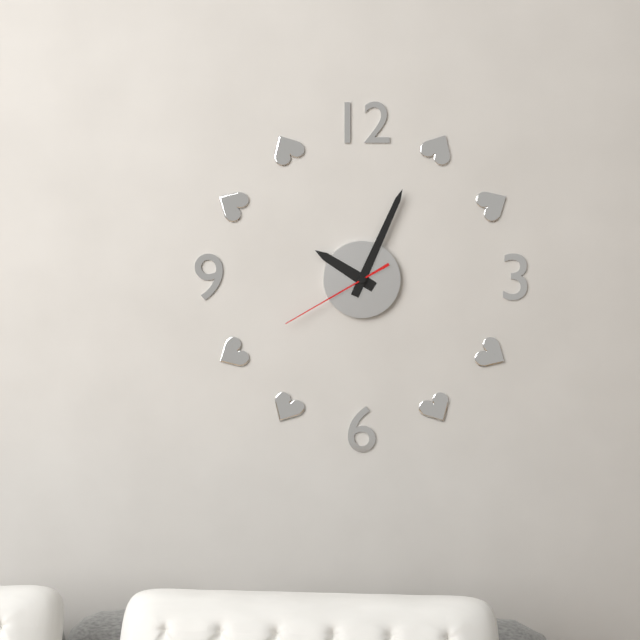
10h04m40s
